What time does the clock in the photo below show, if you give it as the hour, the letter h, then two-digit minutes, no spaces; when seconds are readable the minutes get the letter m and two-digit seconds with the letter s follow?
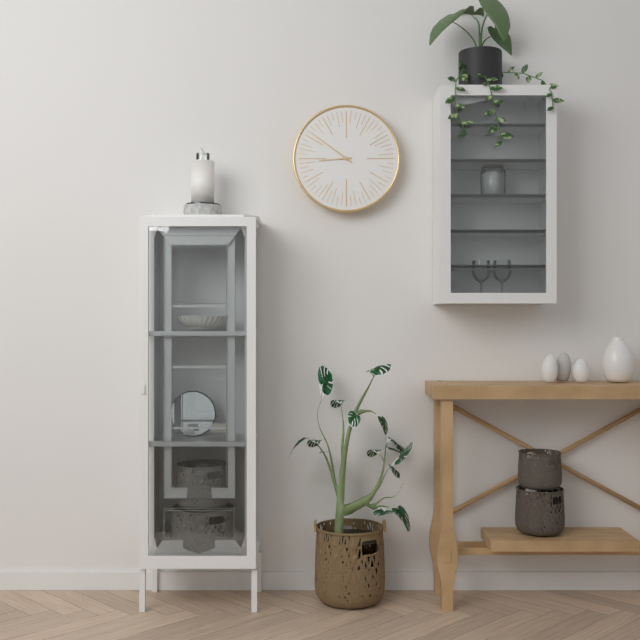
8h51
